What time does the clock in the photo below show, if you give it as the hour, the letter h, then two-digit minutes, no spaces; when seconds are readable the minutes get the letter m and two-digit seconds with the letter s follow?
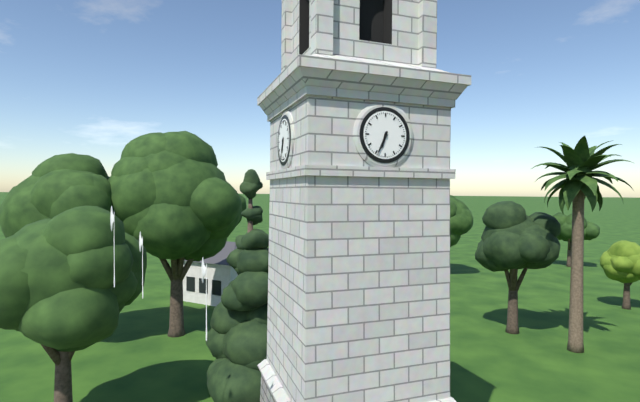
6h34
